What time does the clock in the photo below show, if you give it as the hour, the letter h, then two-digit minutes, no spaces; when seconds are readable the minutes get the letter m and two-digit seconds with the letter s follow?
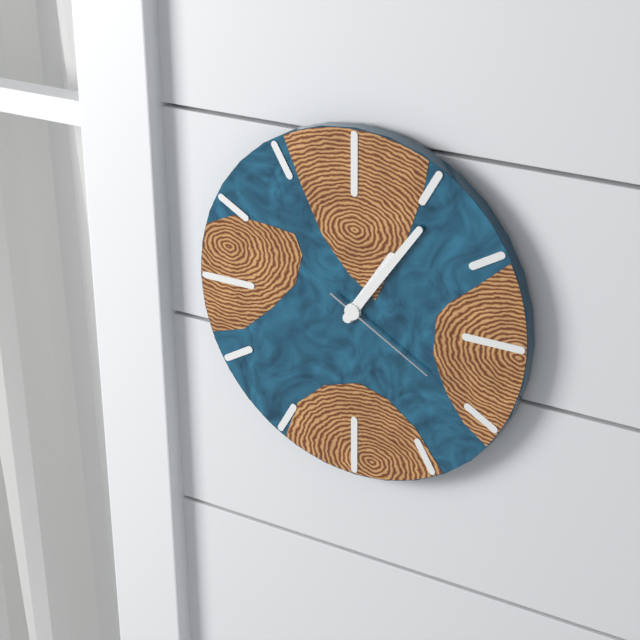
1h06m20s
